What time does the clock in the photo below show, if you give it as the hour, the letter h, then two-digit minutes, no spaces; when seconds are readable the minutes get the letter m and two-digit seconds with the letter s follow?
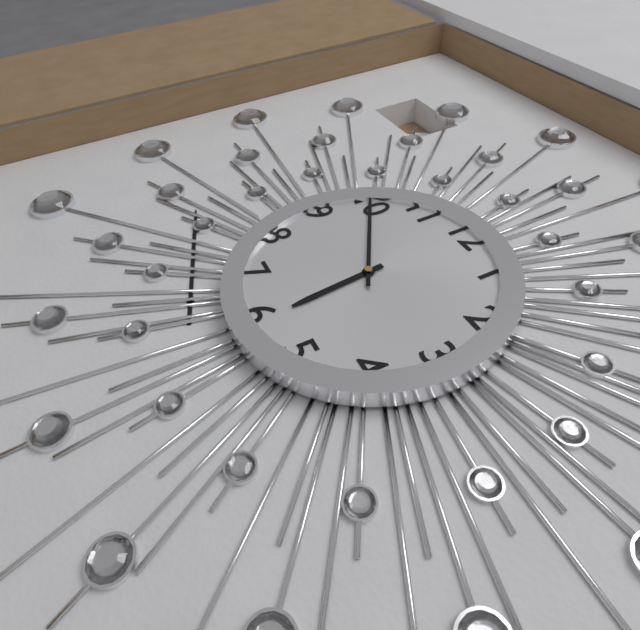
5h50
